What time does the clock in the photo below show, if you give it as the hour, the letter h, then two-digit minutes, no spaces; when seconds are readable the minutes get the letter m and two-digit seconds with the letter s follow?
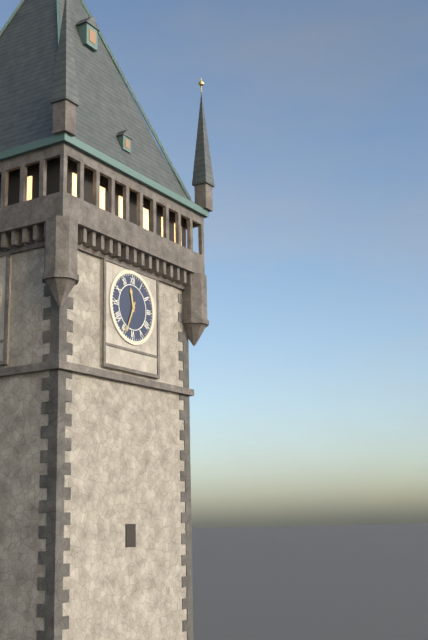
11h34
